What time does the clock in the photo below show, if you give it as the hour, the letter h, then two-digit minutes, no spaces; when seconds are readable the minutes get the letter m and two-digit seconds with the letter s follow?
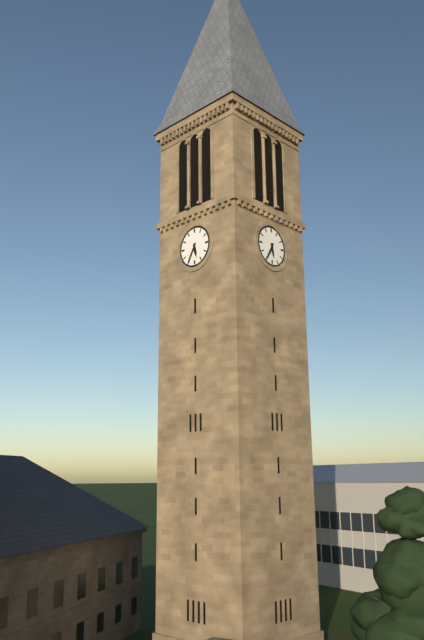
5h35
